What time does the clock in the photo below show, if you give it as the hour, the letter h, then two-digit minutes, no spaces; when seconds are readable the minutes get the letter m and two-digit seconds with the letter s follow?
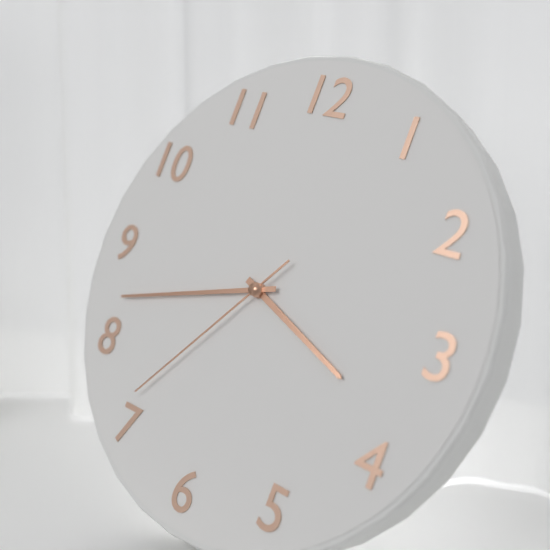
3h42m36s
